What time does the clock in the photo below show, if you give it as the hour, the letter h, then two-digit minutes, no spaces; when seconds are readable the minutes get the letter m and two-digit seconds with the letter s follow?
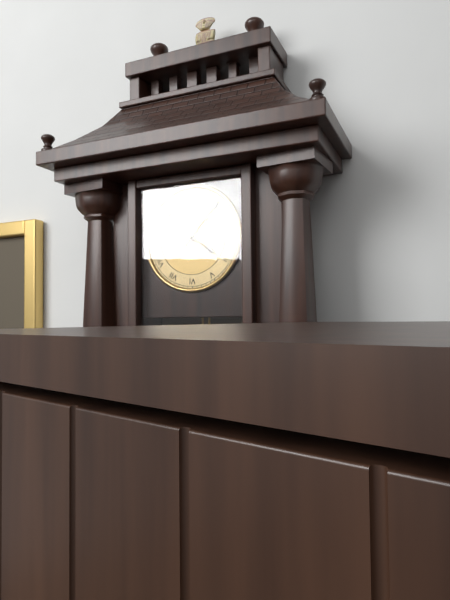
4h07
